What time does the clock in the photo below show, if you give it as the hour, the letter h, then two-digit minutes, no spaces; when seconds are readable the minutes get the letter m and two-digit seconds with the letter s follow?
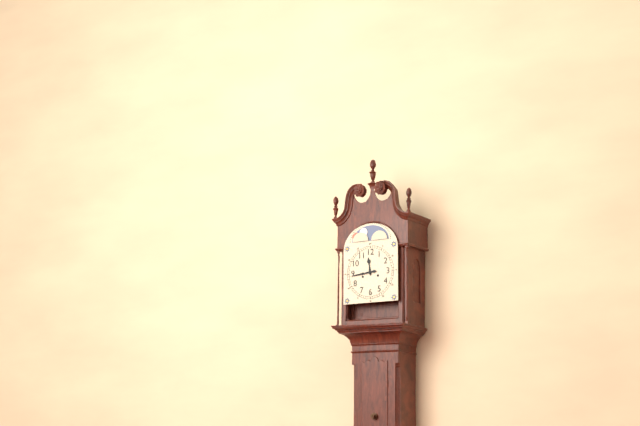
11h44
